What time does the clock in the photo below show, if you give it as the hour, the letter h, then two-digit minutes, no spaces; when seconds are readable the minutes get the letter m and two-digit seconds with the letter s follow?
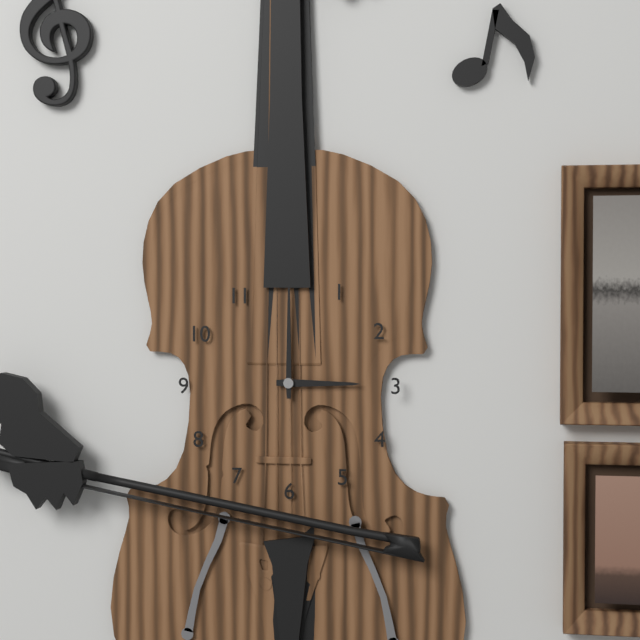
3h00
